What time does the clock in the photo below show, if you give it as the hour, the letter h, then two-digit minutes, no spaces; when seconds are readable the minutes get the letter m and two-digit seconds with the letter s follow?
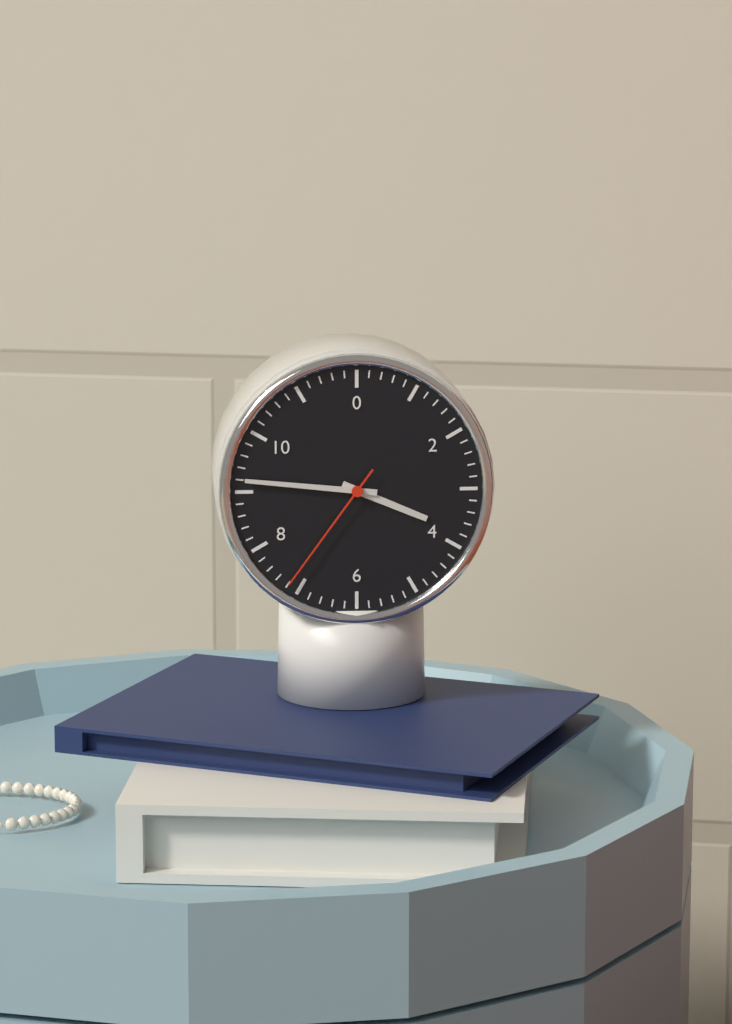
3h46m36s
